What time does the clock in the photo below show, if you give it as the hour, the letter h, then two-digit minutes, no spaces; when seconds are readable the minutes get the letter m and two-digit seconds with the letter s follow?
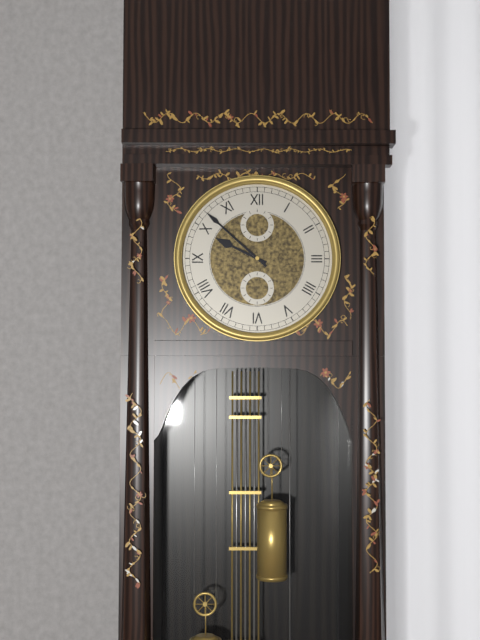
9h52
